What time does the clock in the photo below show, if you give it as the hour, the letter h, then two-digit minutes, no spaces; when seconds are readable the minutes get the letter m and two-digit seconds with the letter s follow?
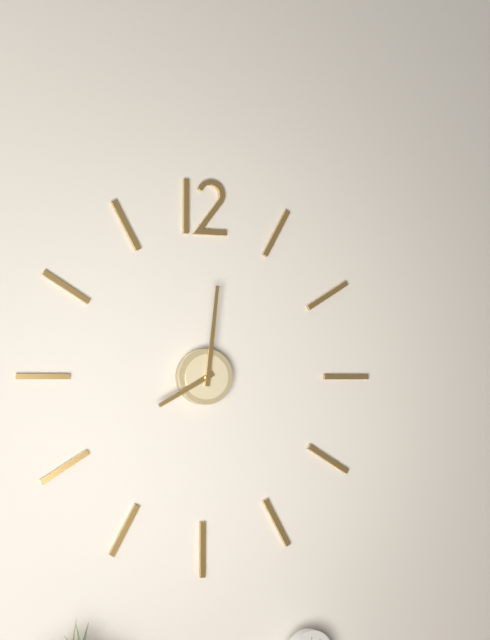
8h01
